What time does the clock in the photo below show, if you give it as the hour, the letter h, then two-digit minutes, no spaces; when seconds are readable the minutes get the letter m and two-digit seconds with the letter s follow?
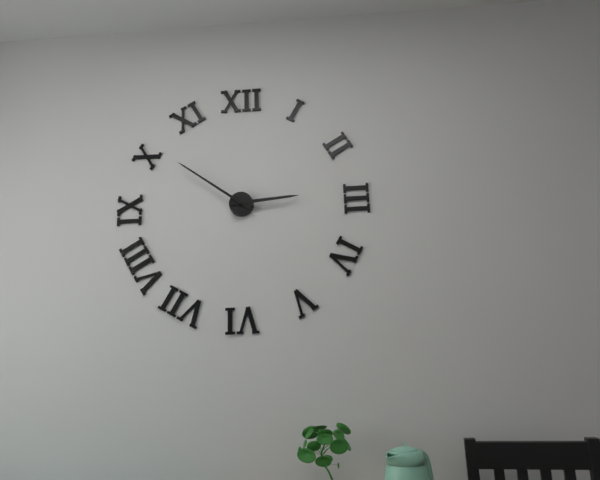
2h51
